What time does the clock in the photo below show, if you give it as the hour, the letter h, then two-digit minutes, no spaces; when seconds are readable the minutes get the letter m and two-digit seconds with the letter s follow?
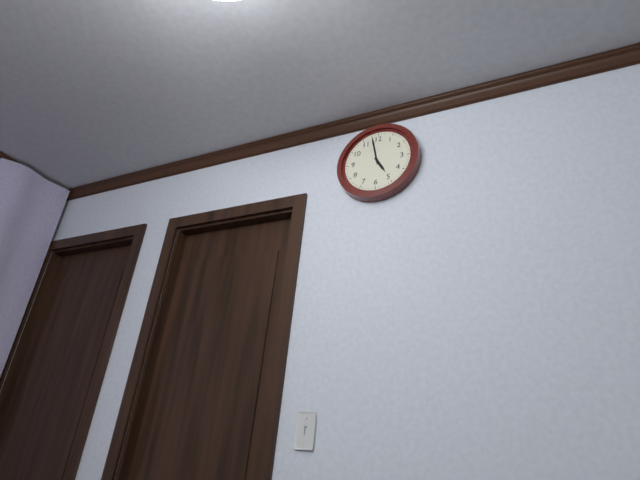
4h58
